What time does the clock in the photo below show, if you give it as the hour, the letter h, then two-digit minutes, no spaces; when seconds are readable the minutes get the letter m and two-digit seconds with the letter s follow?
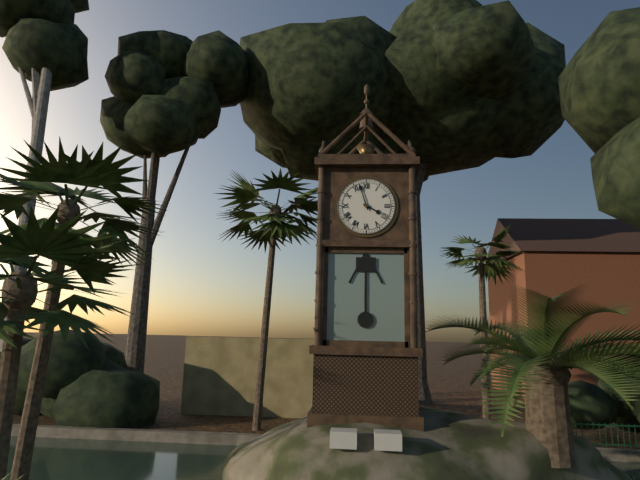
3h57
